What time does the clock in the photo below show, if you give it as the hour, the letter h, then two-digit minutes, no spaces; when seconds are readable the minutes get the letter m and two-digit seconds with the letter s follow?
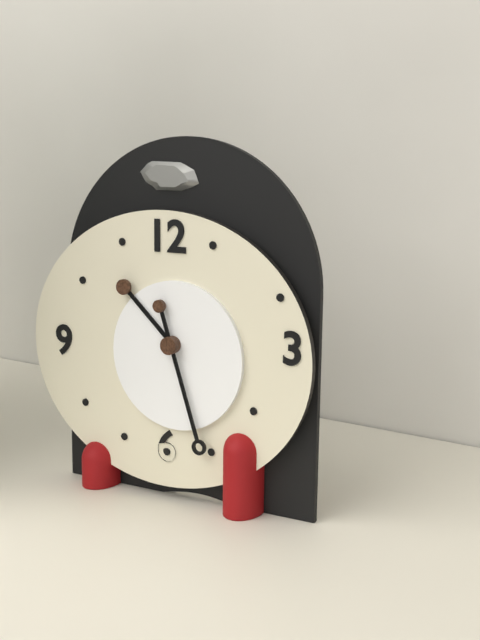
10h27
